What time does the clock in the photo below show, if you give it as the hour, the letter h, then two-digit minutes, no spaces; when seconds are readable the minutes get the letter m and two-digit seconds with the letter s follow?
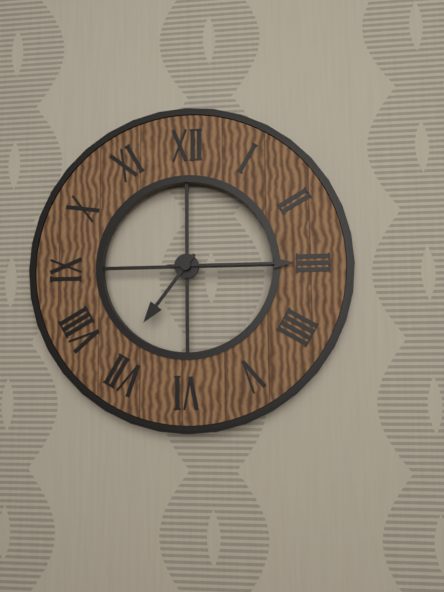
7h15
